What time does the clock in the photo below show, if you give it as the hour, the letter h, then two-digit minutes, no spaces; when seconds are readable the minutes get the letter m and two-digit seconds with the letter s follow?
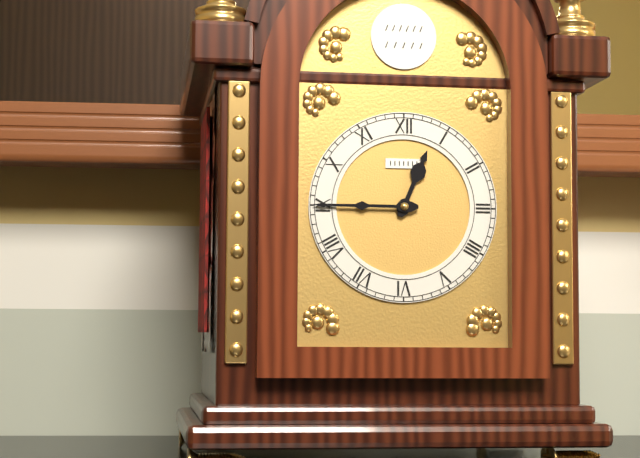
12h45
